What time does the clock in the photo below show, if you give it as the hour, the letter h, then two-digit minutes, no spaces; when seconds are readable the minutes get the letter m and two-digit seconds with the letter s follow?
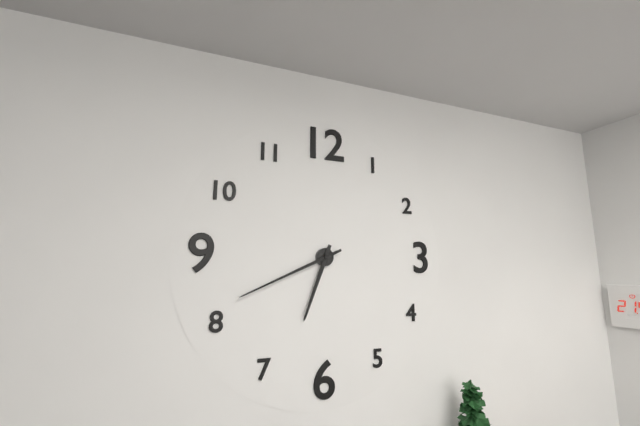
6h41
